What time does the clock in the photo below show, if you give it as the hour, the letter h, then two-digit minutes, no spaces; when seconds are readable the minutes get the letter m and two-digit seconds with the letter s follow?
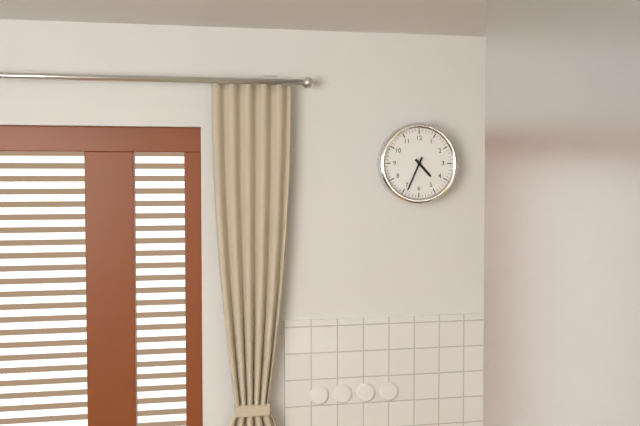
4h34
